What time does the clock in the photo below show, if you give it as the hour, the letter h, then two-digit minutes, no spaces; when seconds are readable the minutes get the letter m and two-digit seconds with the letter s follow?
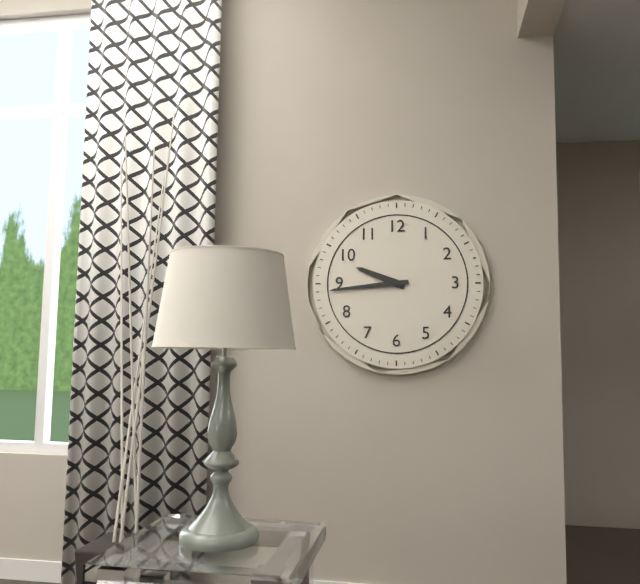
9h44
